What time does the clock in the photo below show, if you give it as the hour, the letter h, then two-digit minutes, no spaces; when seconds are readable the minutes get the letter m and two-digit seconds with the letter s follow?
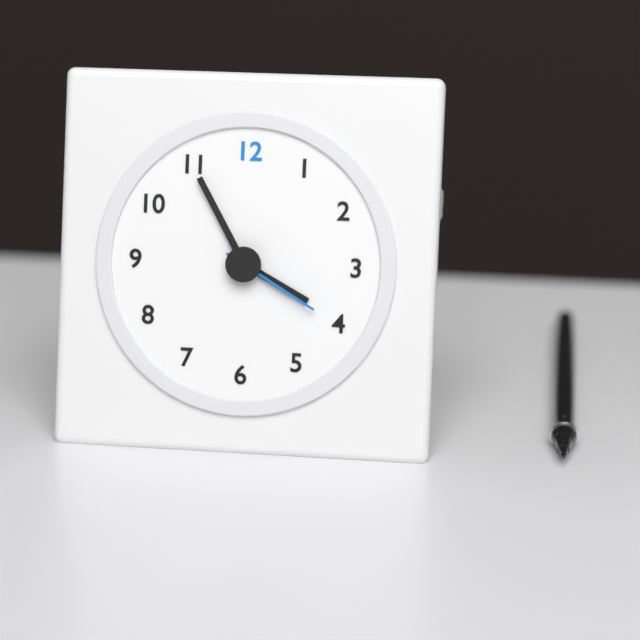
3h55m20s
